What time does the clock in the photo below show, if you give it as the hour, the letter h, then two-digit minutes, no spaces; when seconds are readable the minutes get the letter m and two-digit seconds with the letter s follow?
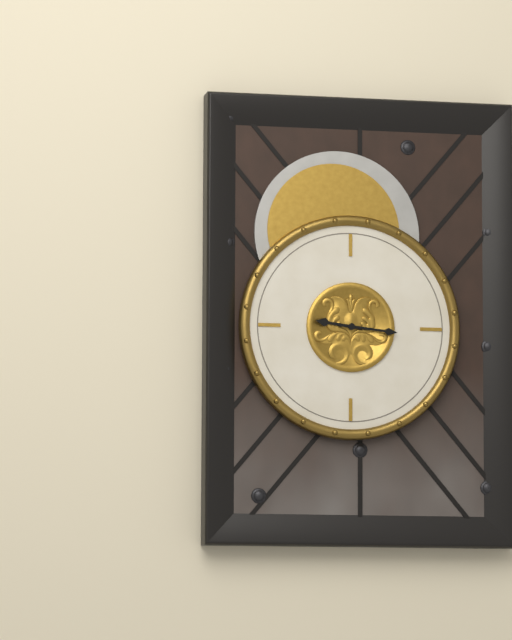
9h16
